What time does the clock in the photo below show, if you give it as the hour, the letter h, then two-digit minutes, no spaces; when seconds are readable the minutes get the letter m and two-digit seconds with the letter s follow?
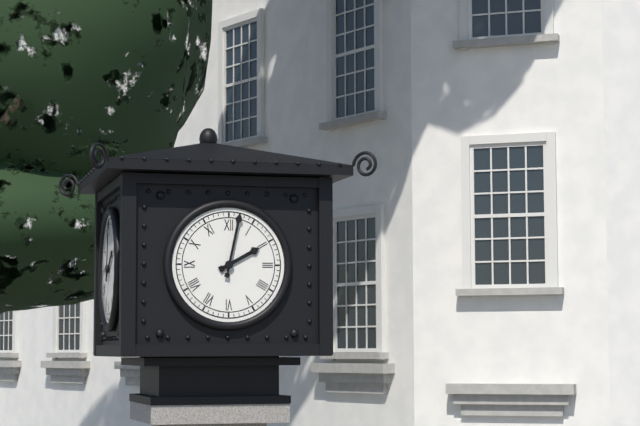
2h02
